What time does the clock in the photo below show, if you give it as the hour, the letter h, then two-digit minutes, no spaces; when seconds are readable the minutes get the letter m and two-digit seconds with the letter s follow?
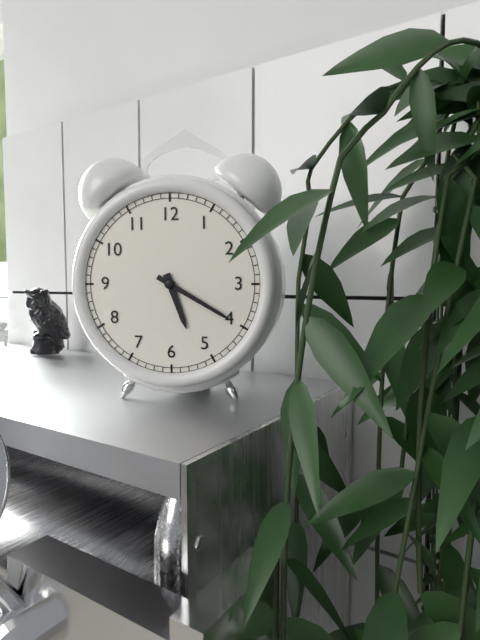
5h20
